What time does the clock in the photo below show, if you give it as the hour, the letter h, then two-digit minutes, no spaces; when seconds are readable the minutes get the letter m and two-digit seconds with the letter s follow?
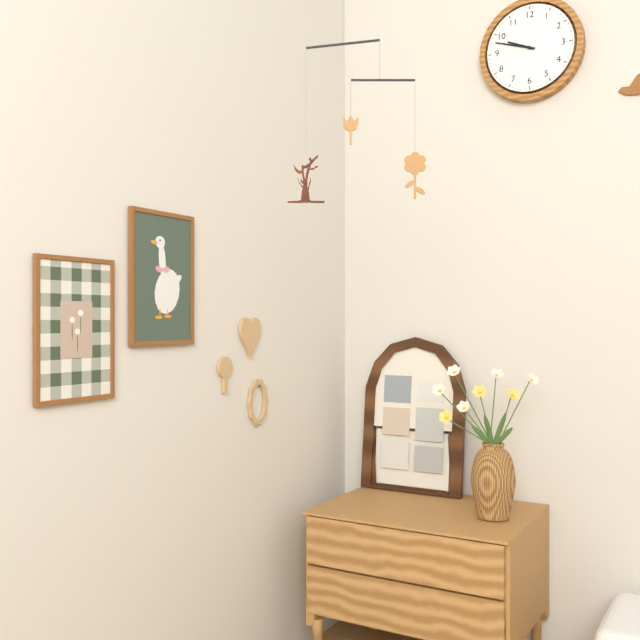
9h48
